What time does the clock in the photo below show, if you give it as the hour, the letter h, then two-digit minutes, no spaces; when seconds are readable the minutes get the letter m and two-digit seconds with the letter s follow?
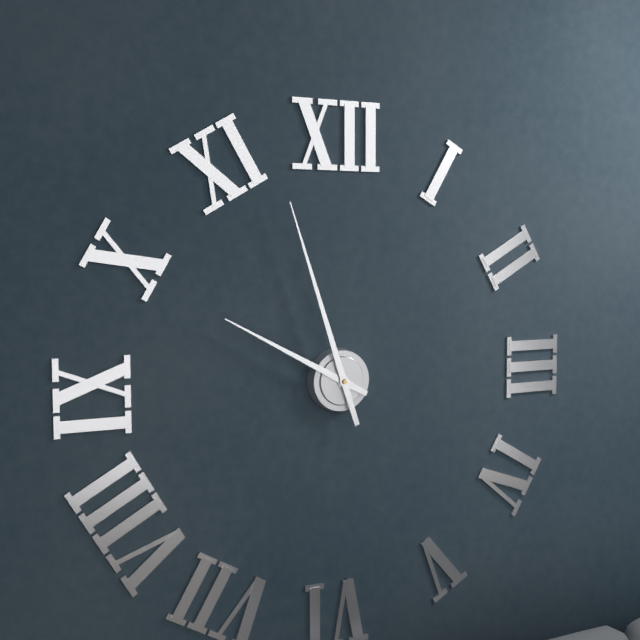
9h57
